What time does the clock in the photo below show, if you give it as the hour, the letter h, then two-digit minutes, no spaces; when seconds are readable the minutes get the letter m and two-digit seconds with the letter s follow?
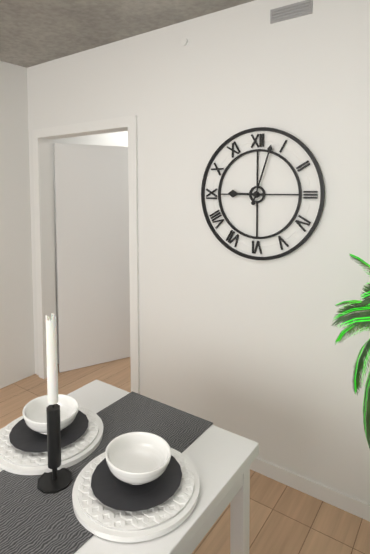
9h03
